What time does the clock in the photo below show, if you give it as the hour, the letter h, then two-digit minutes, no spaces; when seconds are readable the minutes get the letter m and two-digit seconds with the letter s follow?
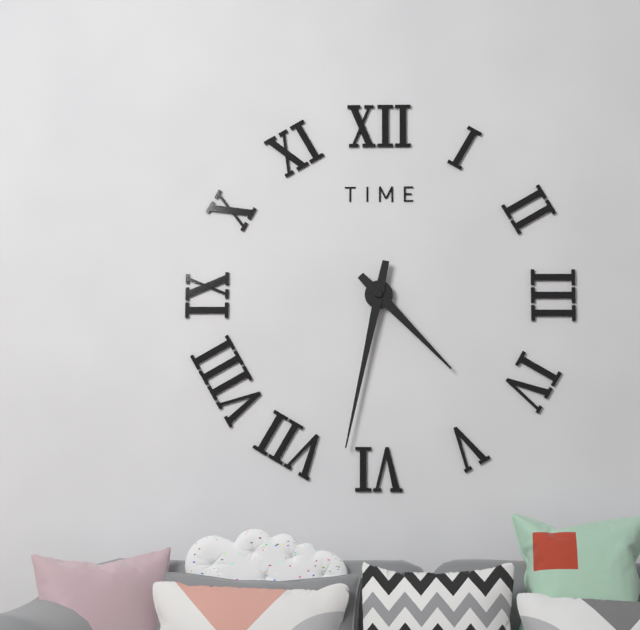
4h32
